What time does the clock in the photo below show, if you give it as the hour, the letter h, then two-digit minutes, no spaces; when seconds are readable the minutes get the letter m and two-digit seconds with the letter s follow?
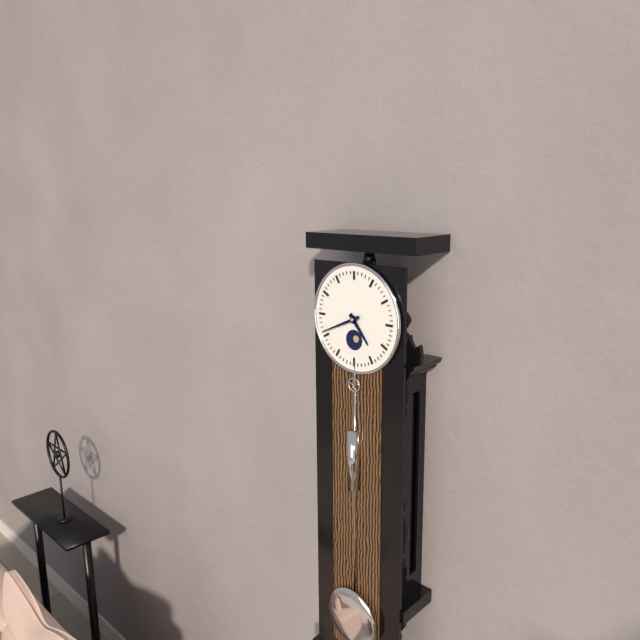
4h41
